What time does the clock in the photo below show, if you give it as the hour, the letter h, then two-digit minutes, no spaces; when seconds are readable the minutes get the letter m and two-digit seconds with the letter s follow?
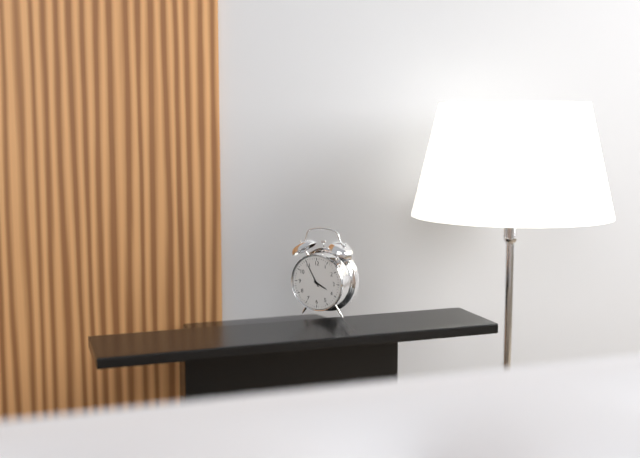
3h55
